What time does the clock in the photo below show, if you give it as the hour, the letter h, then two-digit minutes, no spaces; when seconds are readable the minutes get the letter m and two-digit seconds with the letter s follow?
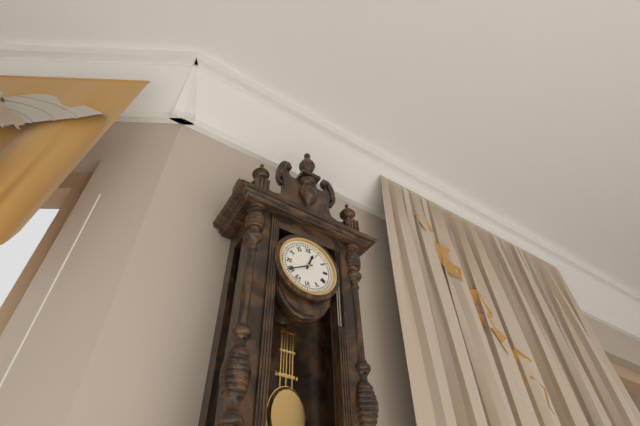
12h40
